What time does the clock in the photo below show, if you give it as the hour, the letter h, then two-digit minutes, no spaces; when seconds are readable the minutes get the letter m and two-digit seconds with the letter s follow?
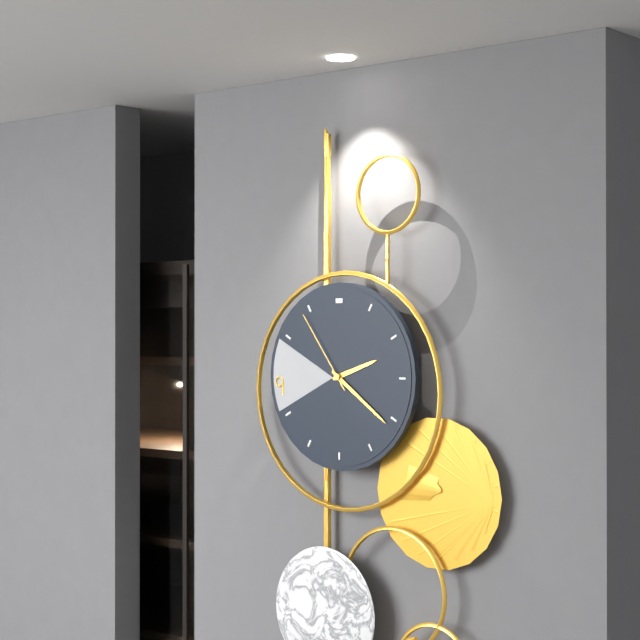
2h21m54s
